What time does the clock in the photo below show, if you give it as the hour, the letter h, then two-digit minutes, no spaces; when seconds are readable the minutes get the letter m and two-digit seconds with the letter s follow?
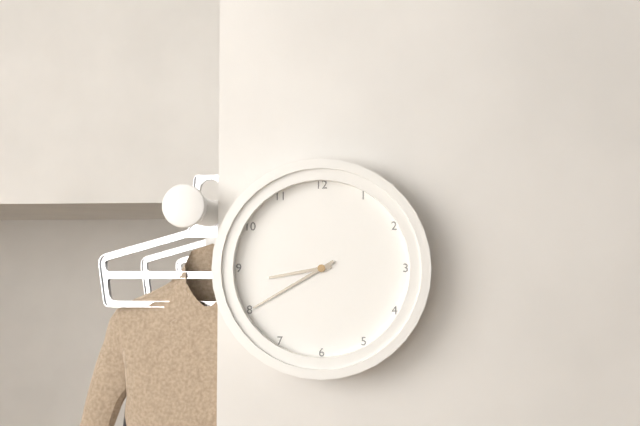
8h40
